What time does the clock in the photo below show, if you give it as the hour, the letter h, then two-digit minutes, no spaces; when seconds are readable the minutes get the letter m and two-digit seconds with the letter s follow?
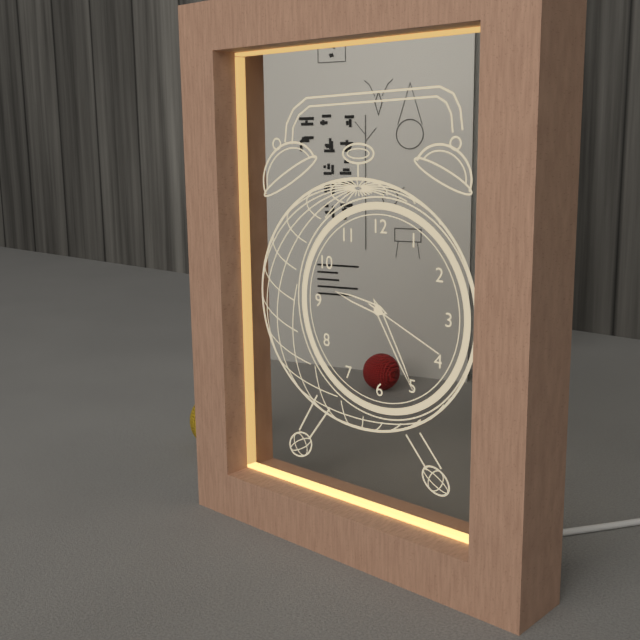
9h25m19s
